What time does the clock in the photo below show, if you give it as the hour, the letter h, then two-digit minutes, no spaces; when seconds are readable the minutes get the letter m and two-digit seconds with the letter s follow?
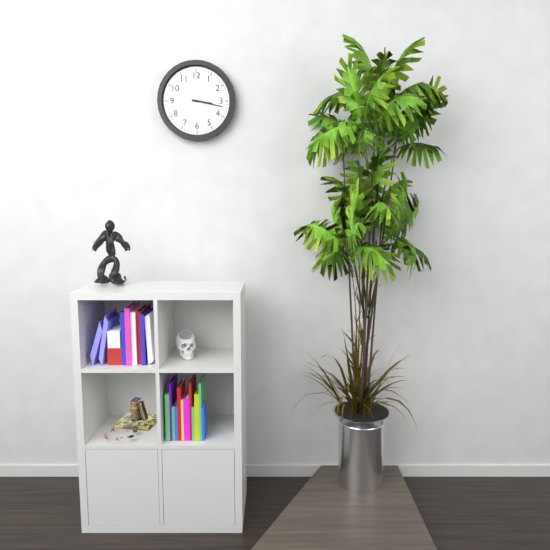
3h17
